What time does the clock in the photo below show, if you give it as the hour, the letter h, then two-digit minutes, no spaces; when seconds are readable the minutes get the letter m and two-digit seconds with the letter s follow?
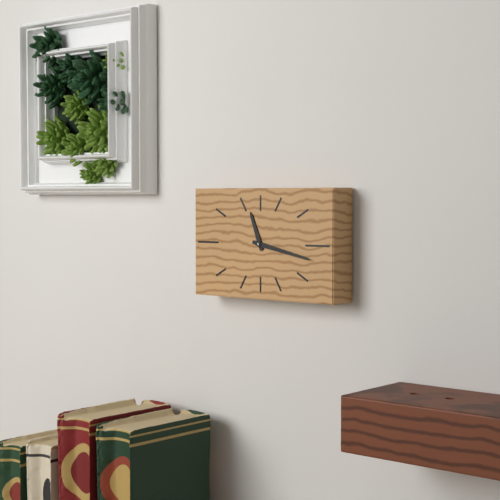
11h17
